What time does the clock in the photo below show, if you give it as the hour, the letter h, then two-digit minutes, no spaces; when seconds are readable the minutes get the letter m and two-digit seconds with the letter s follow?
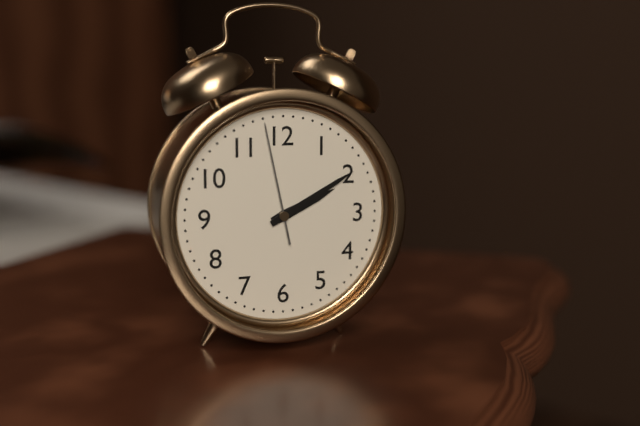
2h10m58s
